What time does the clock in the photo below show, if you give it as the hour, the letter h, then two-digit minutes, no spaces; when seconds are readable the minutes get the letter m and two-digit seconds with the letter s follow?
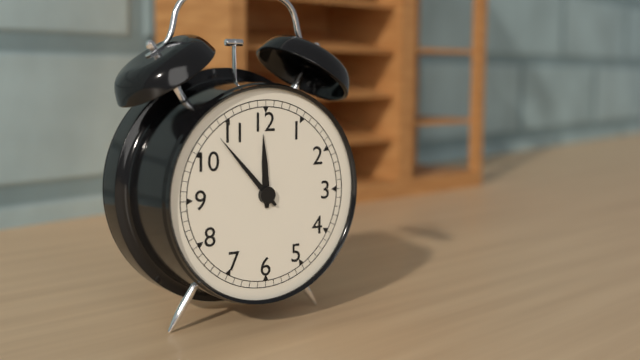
11h53
